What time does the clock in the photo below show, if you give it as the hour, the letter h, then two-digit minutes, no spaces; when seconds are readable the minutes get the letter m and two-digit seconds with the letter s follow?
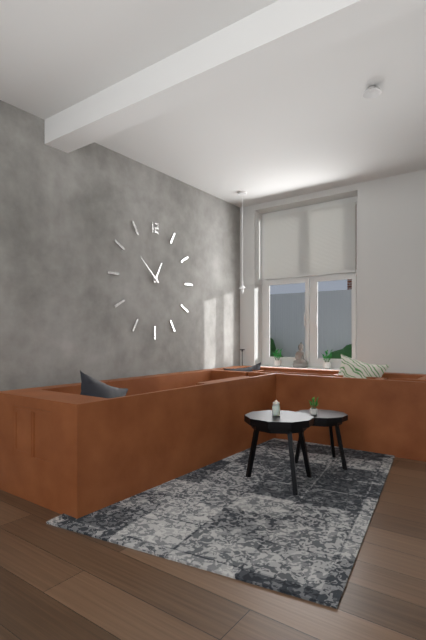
12h52
